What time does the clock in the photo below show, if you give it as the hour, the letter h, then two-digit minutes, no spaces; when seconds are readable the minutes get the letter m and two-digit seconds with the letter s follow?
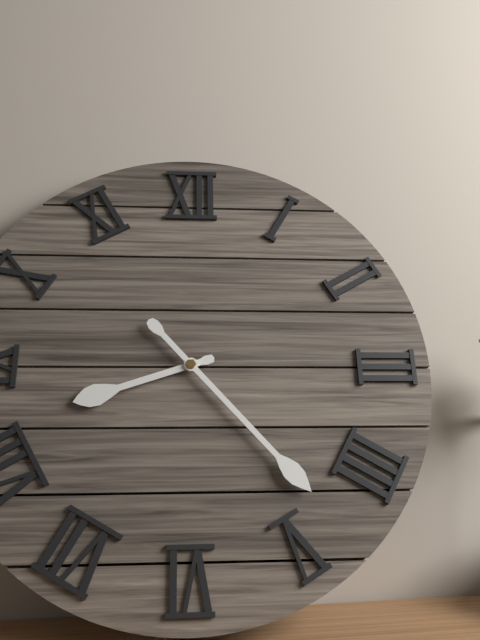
8h23
